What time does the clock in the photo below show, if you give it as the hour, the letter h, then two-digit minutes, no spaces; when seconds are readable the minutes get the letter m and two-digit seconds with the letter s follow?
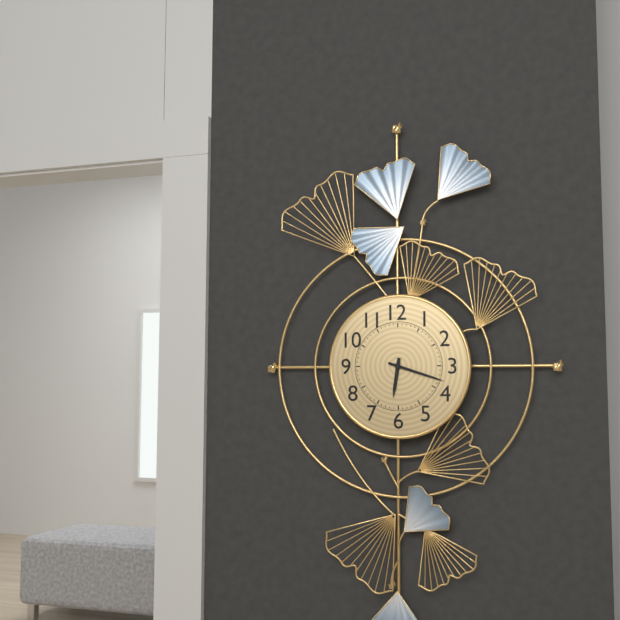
6h18
